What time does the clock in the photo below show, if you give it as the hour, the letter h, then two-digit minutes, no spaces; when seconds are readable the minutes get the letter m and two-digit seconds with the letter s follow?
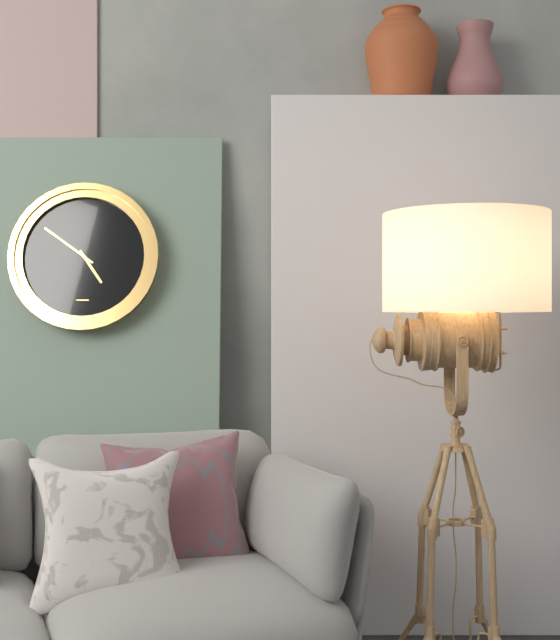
4h51
